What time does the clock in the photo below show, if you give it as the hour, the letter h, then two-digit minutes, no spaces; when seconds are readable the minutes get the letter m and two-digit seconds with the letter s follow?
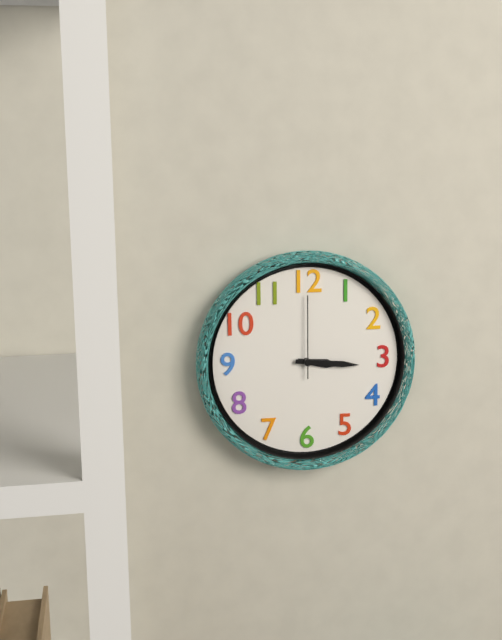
3h16m00s
